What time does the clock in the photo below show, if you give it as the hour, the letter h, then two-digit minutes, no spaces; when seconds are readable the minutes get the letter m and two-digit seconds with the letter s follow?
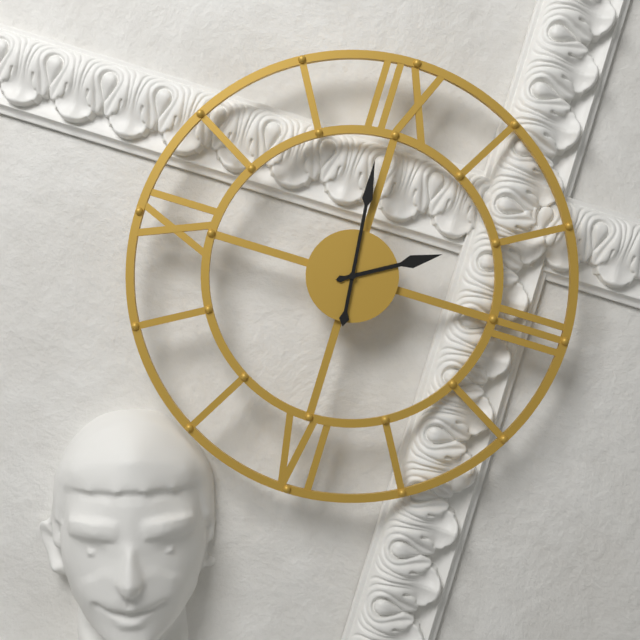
1h59
